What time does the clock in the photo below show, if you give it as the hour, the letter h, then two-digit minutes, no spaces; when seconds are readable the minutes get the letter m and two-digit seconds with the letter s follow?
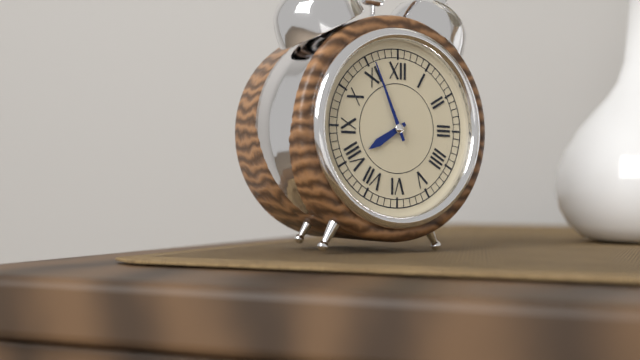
7h56
